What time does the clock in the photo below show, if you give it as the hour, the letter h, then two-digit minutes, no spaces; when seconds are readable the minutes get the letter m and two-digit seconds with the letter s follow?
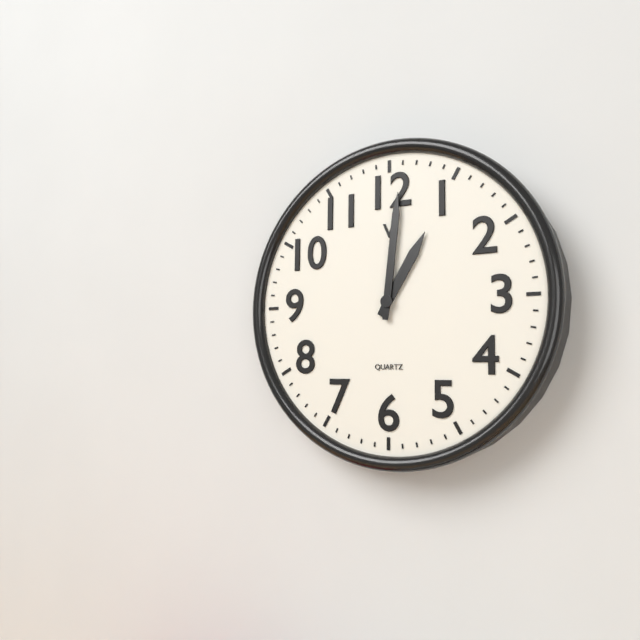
1h01
